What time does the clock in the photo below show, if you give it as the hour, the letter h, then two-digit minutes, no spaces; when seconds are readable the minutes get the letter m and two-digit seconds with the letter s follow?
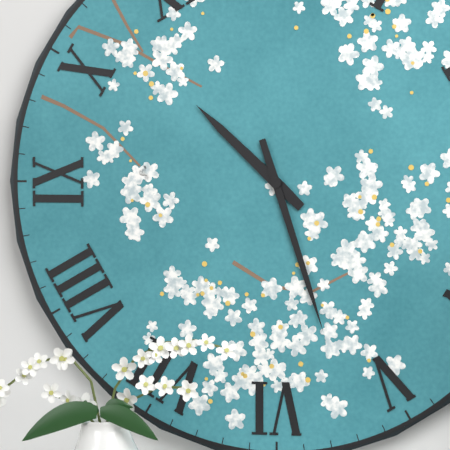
10h27
